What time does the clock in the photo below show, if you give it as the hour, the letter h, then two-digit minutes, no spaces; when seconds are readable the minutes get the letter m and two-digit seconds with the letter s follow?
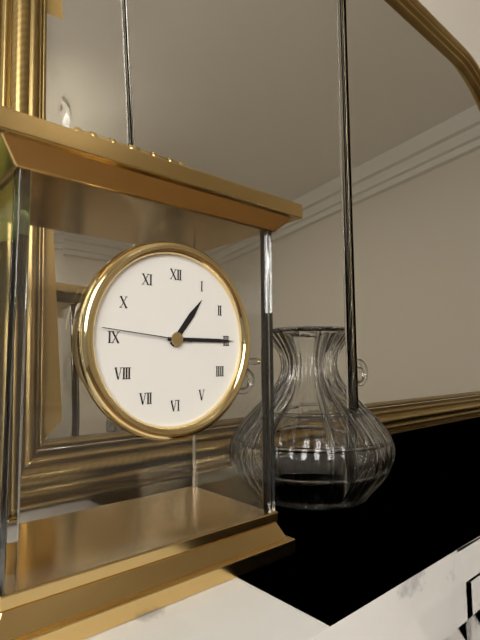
1h15m46s
